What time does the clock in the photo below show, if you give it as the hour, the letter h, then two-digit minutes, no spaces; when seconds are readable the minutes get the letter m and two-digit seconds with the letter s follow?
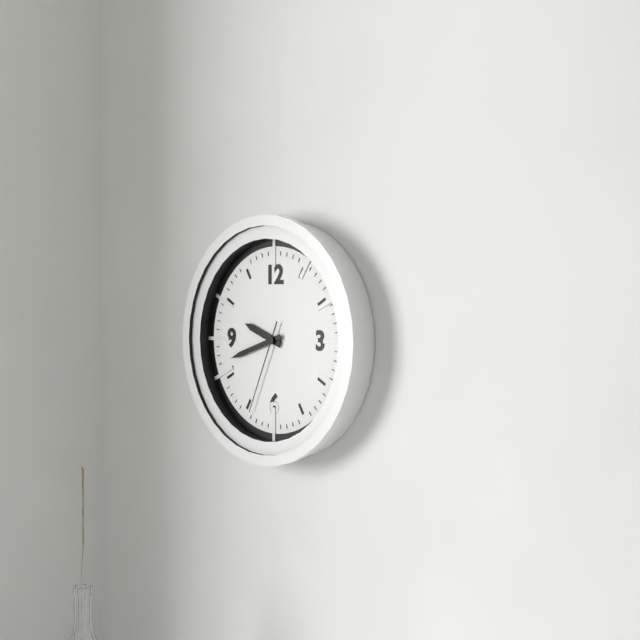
9h42m34s
